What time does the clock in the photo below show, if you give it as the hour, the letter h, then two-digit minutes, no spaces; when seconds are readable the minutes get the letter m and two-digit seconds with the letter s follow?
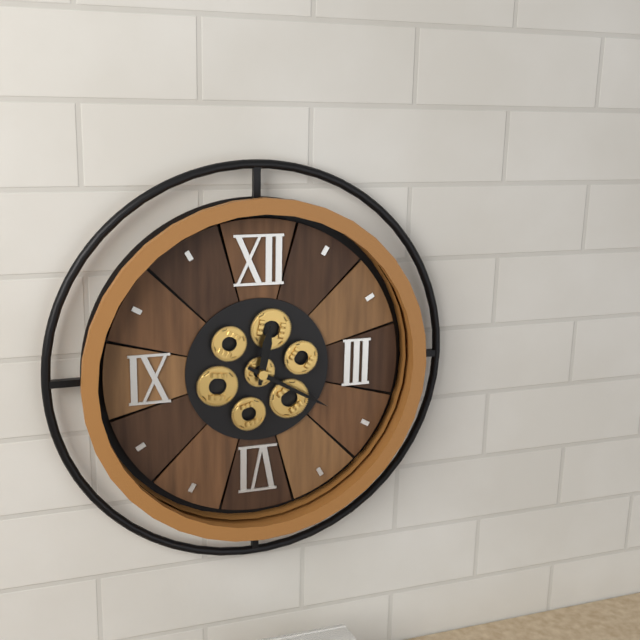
12h20
